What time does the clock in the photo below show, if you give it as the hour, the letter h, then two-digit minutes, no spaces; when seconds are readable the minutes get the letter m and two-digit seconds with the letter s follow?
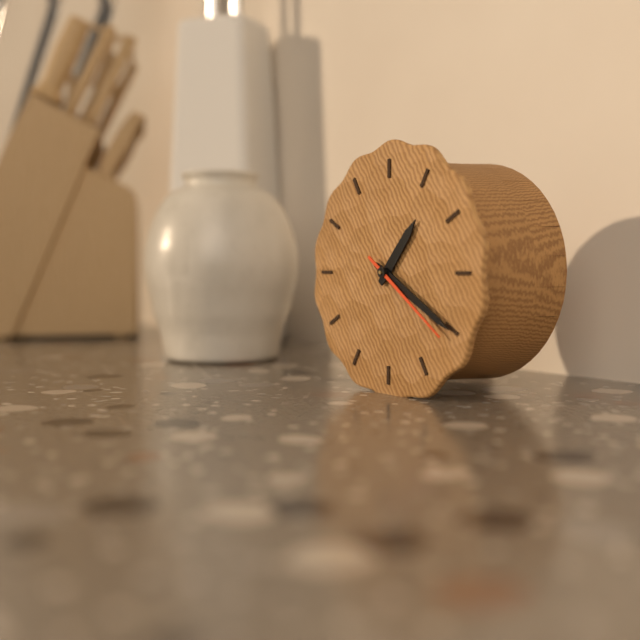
1h20m21s
